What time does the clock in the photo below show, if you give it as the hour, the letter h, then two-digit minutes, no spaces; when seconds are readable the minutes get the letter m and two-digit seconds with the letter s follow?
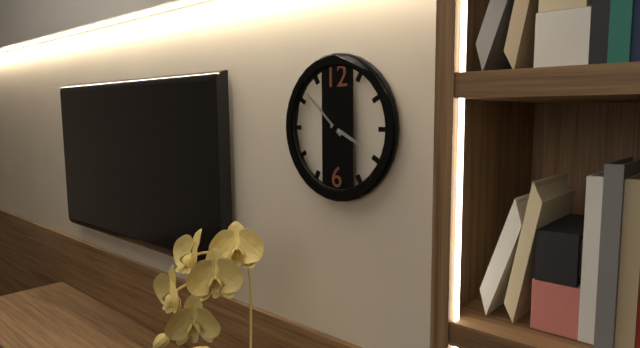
3h52
